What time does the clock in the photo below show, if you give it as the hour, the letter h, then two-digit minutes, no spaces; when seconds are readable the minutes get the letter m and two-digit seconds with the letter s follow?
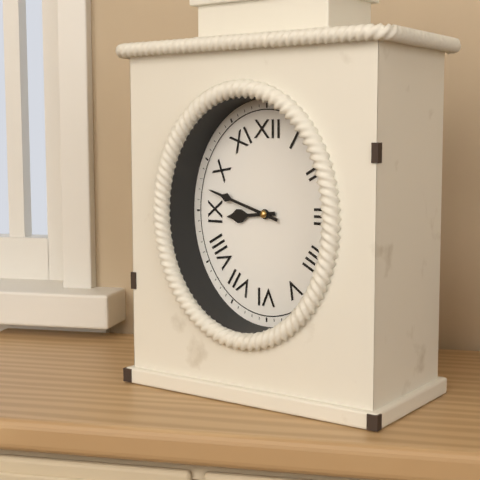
8h48
